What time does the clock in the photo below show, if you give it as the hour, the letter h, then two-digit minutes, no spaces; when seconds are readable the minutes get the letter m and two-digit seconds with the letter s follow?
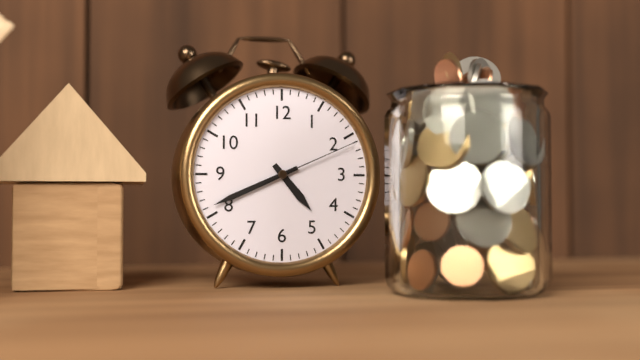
4h41m11s
